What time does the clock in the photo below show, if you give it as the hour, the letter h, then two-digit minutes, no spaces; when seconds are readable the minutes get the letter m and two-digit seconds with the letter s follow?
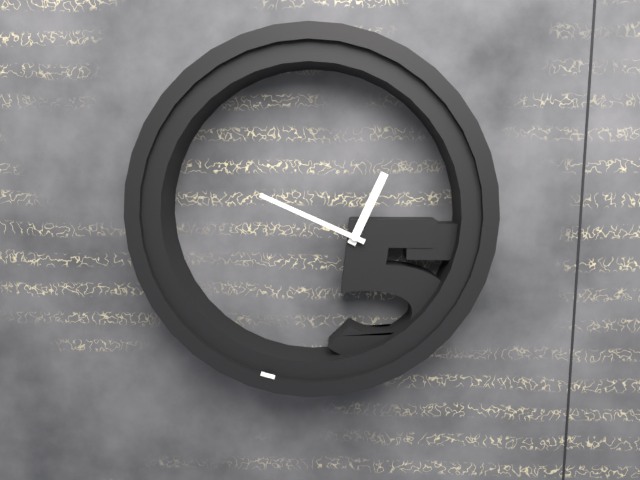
12h49
